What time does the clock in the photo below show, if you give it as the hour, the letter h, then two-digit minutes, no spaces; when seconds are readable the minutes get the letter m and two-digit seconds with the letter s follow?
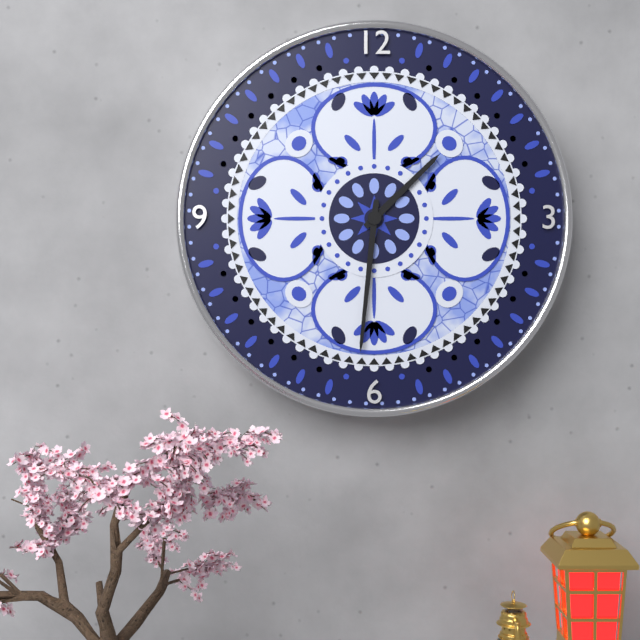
1h31
